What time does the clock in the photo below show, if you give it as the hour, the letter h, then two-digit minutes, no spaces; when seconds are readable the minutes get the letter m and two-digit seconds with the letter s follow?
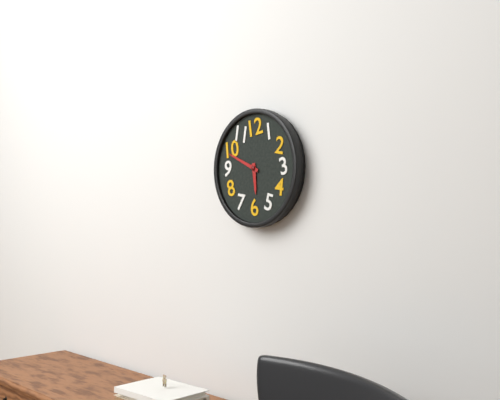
5h49
